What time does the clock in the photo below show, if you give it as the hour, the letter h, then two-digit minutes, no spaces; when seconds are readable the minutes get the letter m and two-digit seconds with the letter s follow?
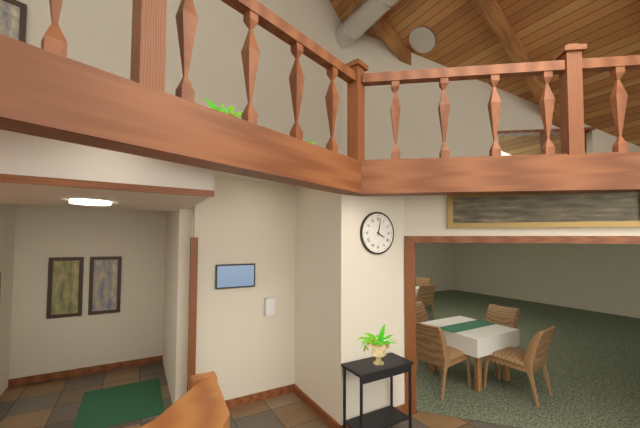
4h02
